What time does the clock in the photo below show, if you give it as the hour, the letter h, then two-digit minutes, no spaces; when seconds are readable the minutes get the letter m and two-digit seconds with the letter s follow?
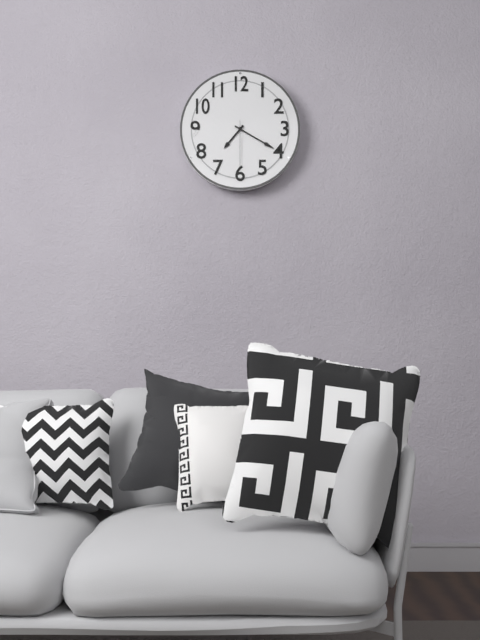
7h20
